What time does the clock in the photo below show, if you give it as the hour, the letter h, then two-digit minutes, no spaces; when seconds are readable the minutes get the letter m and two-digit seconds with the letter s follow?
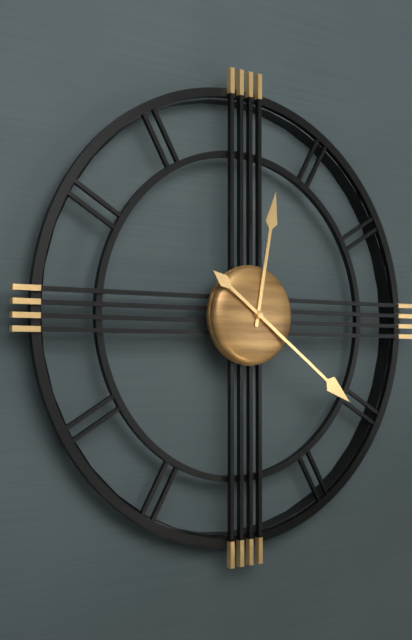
12h21
